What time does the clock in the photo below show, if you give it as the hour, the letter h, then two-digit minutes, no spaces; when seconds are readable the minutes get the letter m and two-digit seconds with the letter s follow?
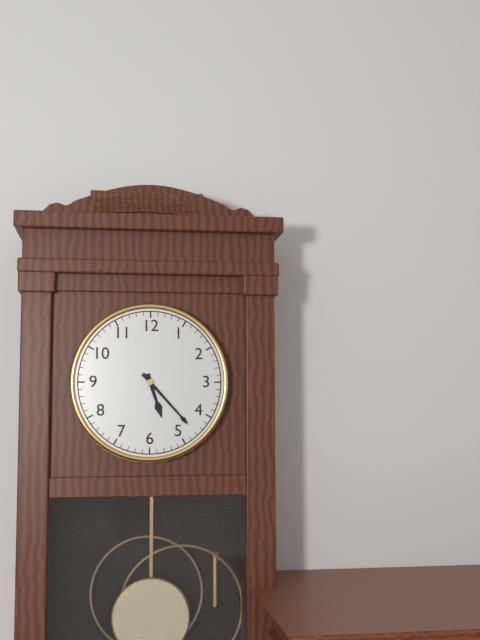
5h23
